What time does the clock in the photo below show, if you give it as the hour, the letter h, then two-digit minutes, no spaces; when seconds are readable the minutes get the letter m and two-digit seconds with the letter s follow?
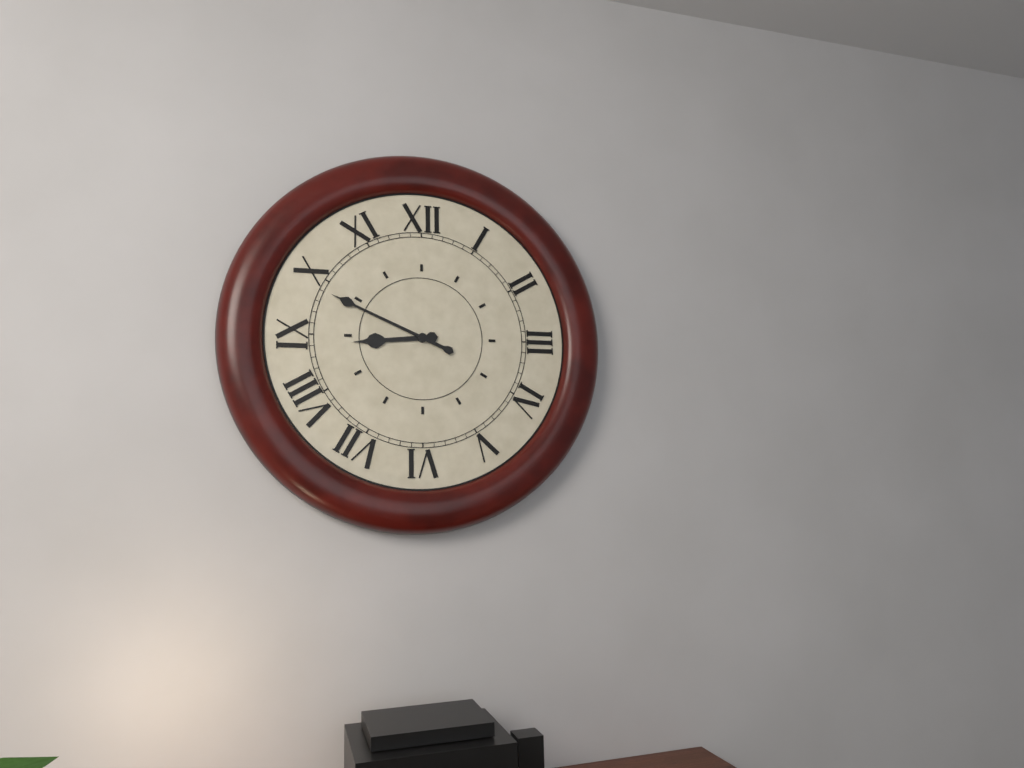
8h49
